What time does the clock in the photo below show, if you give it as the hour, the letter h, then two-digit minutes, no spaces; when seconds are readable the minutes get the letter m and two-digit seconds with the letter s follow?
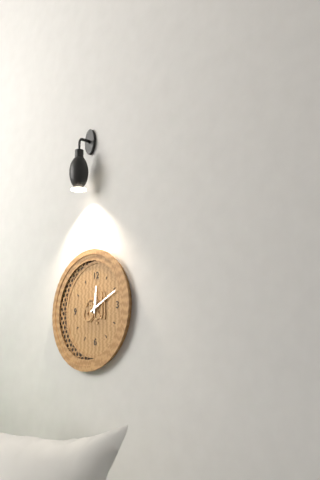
12h11
